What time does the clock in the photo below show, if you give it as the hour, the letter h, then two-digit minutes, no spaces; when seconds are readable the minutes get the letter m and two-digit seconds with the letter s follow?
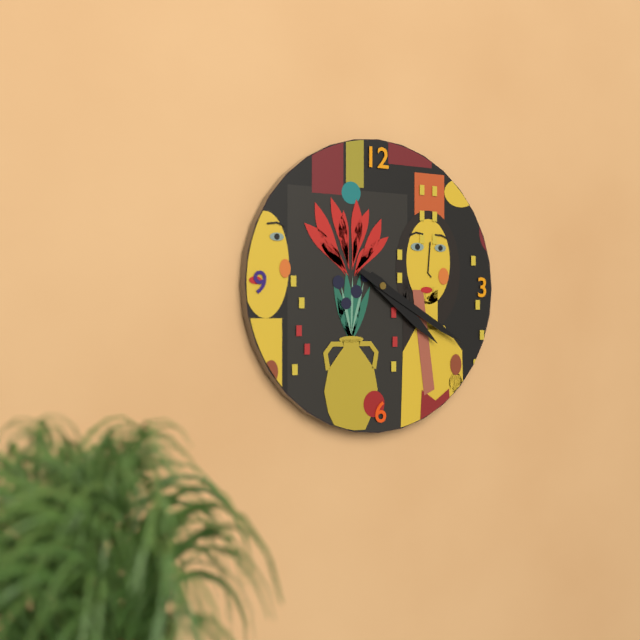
4h20
